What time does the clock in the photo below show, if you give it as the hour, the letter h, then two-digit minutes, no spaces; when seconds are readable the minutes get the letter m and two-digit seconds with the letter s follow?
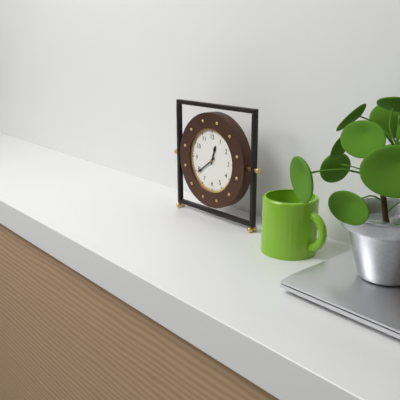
12h39
